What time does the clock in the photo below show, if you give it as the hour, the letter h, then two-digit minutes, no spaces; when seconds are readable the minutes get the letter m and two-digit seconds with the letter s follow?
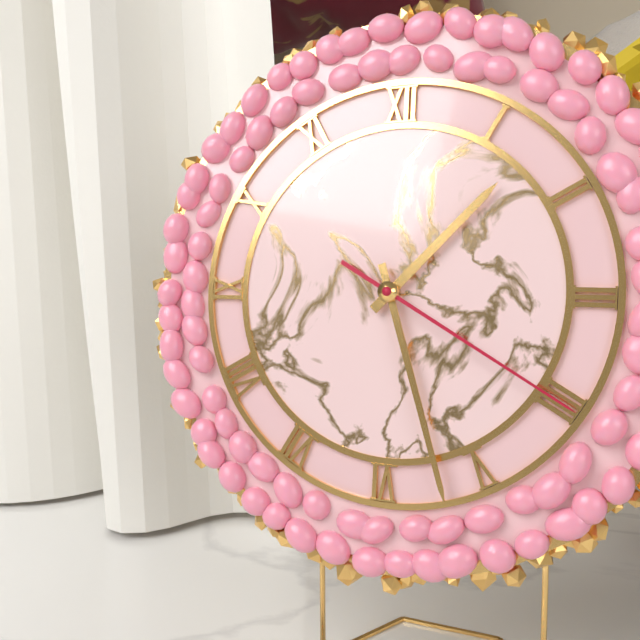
1h27m20s
